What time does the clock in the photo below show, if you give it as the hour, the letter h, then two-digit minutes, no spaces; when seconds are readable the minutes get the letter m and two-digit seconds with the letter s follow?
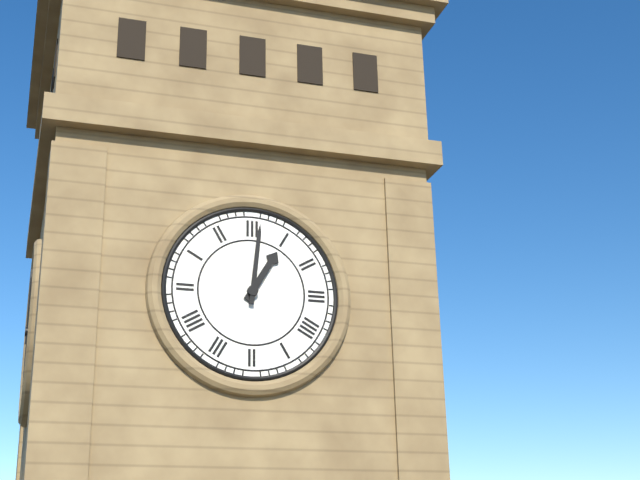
1h01
